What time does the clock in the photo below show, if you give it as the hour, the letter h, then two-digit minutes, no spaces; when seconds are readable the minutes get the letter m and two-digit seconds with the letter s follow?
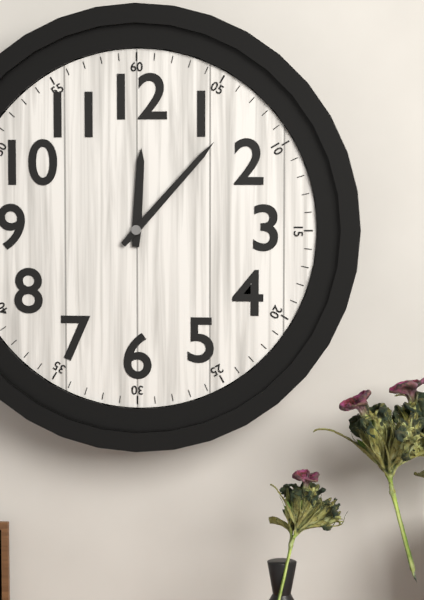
12h07
